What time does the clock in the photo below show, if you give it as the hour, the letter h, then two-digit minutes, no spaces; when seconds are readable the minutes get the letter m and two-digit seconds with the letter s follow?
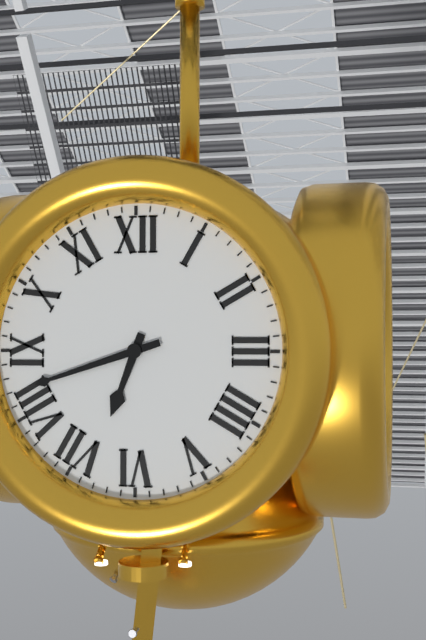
6h42
